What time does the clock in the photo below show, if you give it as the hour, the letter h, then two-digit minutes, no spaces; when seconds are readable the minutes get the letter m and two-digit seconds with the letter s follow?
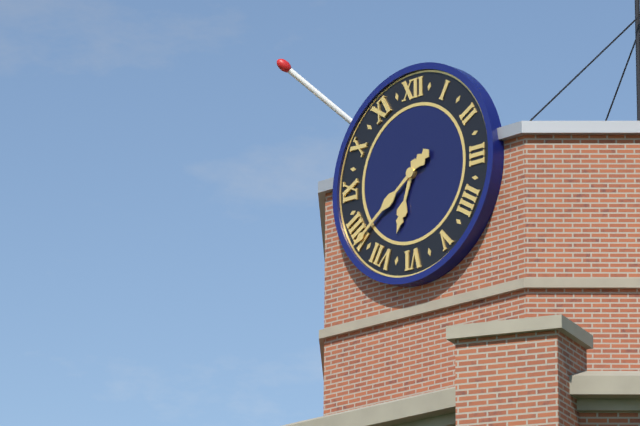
6h39
